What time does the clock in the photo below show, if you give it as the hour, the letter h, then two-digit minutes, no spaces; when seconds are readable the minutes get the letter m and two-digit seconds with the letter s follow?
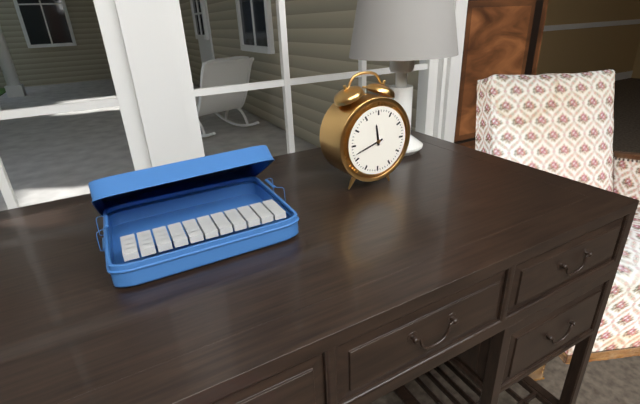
11h42
